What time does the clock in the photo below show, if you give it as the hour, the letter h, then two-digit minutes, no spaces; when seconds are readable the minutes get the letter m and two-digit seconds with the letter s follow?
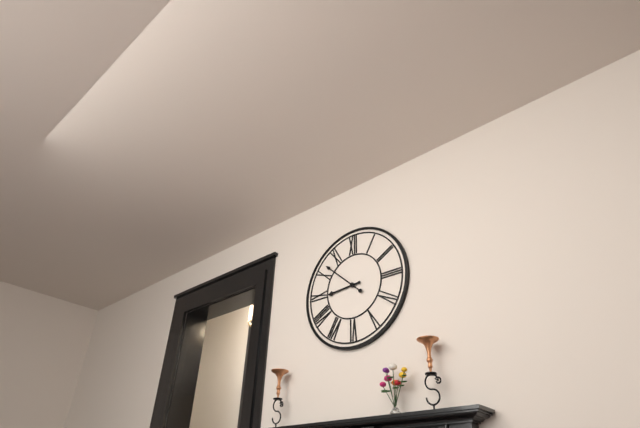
8h52
